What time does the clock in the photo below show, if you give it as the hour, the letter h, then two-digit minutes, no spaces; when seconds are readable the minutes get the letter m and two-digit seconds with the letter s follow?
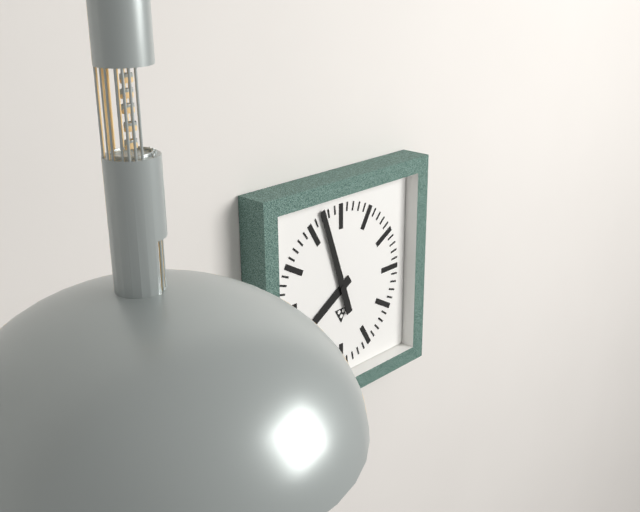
7h57
